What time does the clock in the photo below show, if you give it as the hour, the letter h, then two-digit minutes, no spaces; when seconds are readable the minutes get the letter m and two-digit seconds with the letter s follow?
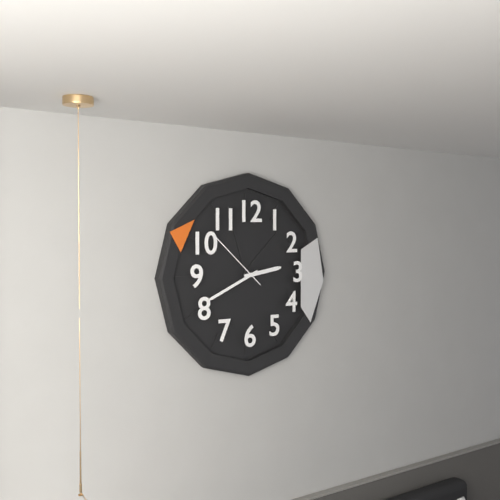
2h41m52s
